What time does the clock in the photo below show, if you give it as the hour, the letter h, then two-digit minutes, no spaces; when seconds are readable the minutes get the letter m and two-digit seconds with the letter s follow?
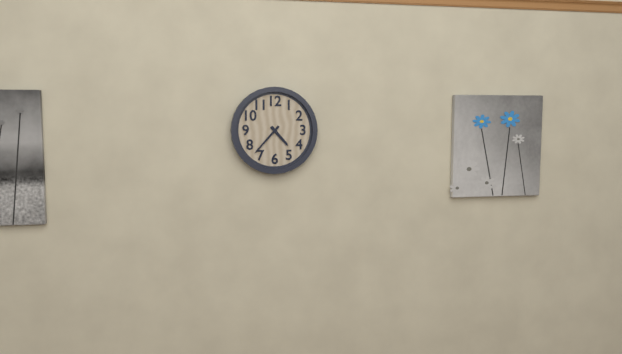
4h37
